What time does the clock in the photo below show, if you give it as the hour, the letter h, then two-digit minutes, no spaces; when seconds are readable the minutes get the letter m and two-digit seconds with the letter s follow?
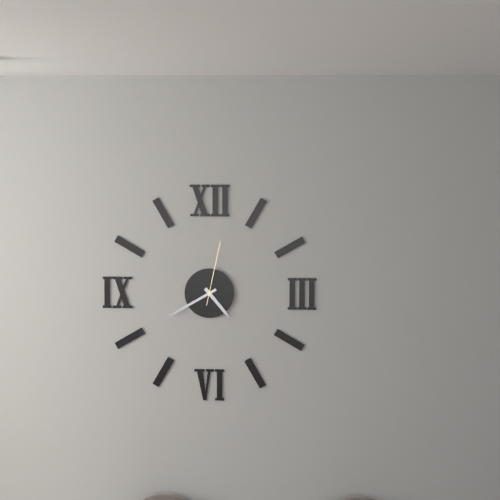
4h40m02s
